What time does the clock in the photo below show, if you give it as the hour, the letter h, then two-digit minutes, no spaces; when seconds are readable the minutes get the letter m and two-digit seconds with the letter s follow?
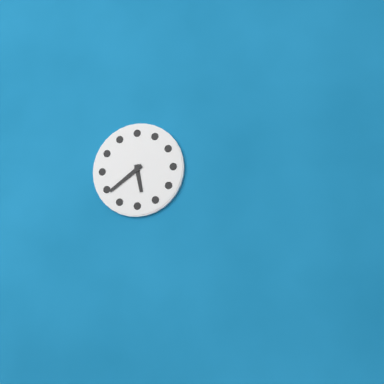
5h39
